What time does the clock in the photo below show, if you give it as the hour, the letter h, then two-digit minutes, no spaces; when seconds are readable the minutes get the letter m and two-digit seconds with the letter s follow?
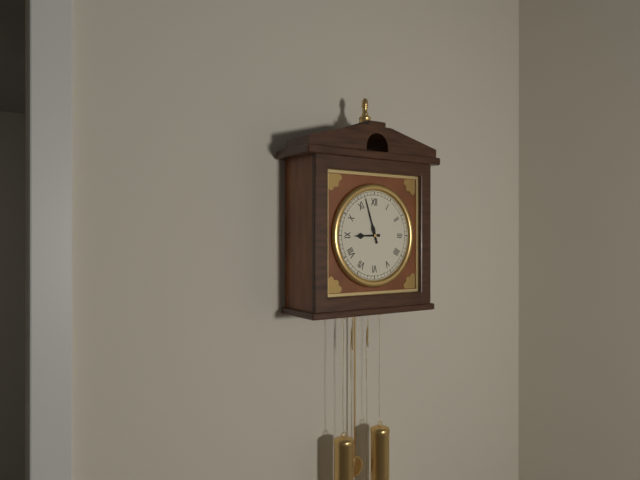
8h57
